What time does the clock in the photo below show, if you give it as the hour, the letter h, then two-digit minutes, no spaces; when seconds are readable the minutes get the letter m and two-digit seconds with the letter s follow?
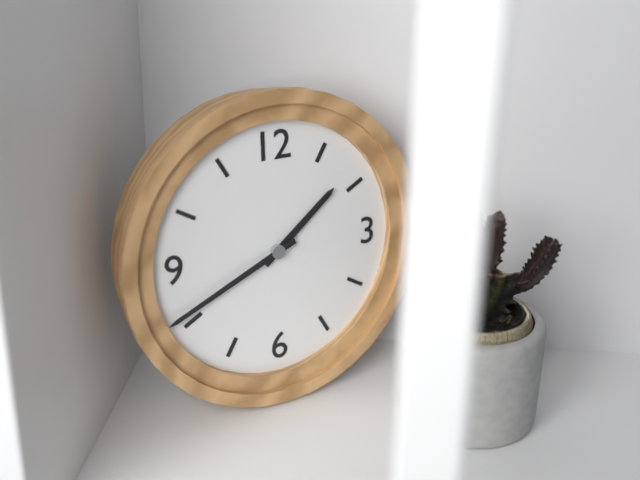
1h41
